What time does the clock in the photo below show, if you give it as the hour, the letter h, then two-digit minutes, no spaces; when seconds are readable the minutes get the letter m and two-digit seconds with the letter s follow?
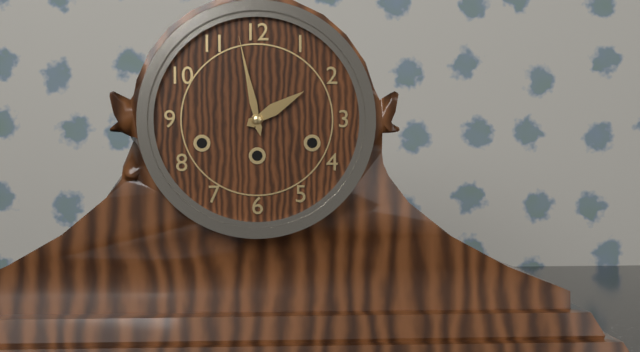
1h58
